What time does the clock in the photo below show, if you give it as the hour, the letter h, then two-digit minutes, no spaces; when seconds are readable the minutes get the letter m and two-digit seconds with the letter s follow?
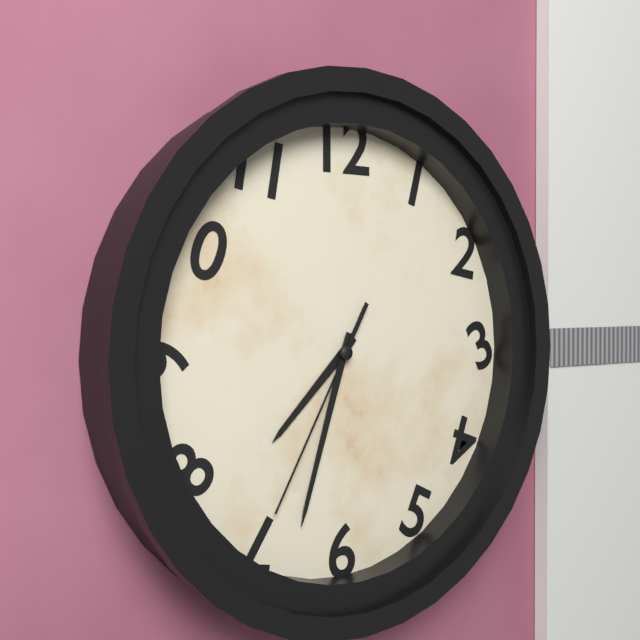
7h33m35s
